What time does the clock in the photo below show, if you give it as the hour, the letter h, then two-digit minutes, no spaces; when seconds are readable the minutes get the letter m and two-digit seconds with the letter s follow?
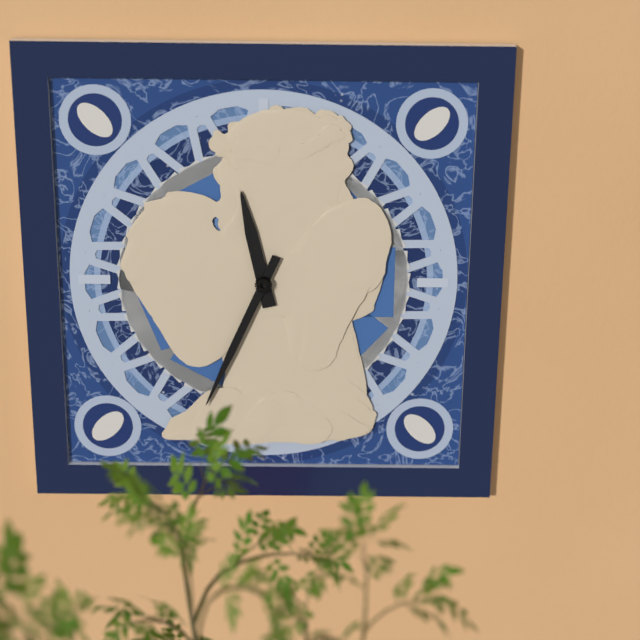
11h34
